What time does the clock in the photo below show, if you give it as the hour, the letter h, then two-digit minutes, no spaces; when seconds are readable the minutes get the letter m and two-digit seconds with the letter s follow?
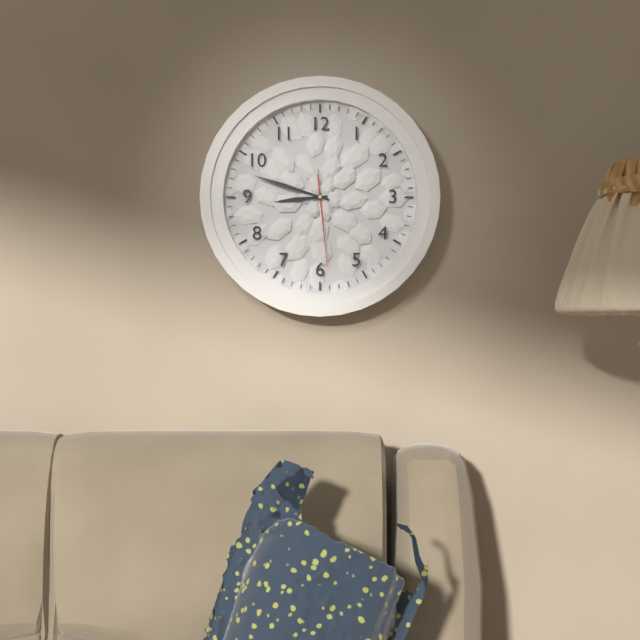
8h48m29s
